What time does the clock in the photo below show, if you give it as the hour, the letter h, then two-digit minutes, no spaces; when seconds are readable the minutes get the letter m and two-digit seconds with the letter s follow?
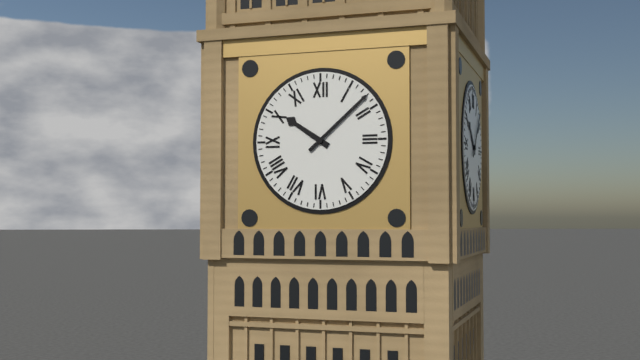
10h08
